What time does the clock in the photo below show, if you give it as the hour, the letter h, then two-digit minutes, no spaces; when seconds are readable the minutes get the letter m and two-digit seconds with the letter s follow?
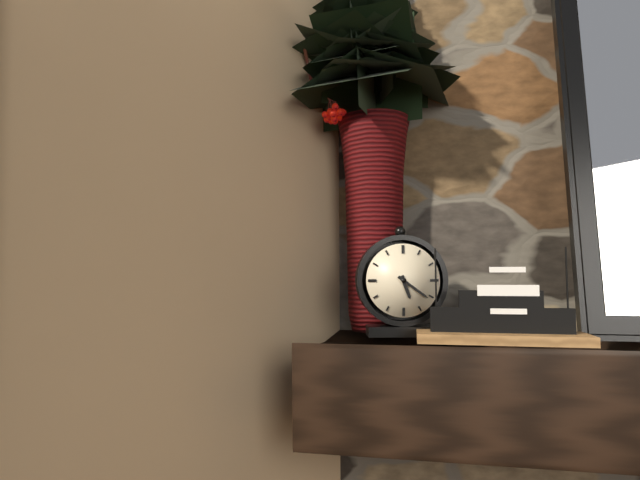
5h21
